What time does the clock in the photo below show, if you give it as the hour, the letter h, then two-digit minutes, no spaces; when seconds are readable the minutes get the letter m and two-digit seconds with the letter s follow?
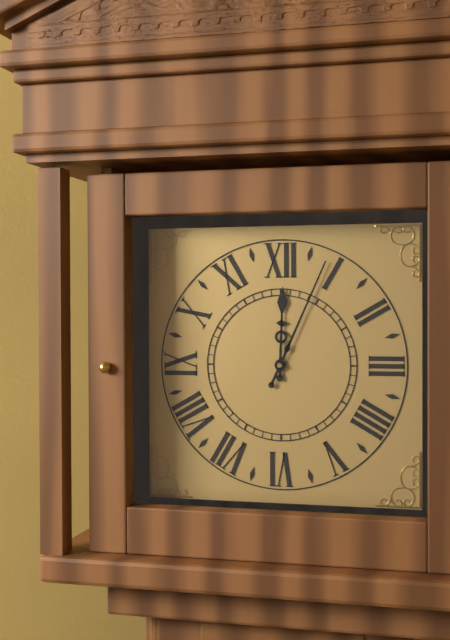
12h04
